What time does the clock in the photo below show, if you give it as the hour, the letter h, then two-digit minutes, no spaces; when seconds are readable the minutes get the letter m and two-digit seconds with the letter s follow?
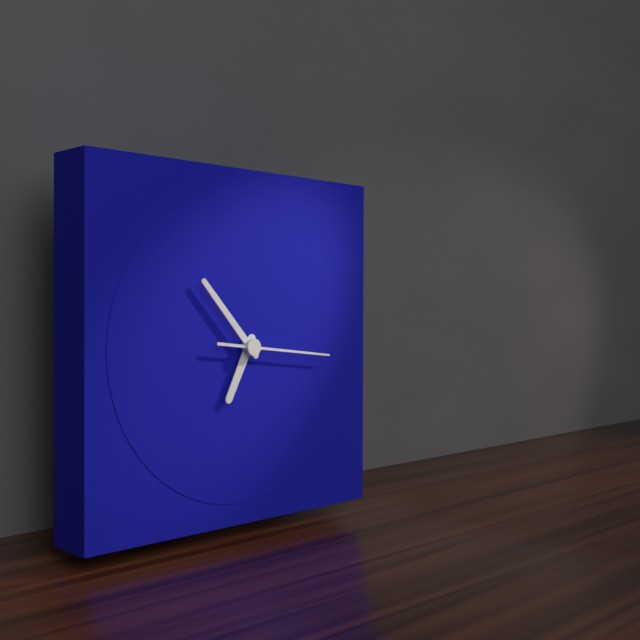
6h53m16s
